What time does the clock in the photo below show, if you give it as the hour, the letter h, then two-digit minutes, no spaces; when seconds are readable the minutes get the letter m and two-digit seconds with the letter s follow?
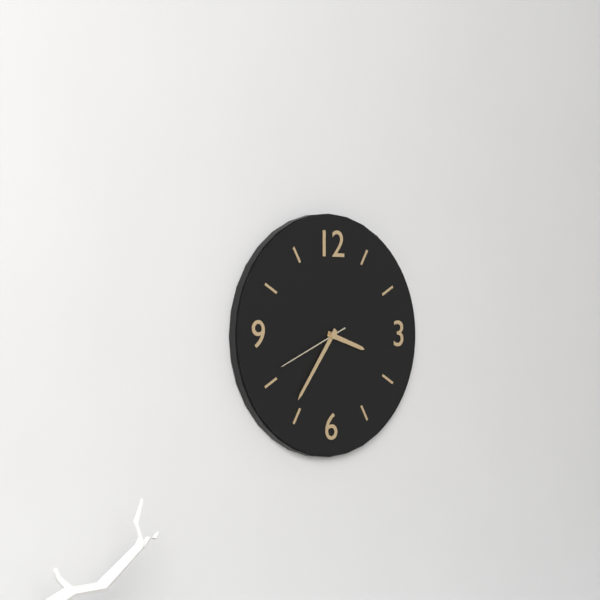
3h36m41s
